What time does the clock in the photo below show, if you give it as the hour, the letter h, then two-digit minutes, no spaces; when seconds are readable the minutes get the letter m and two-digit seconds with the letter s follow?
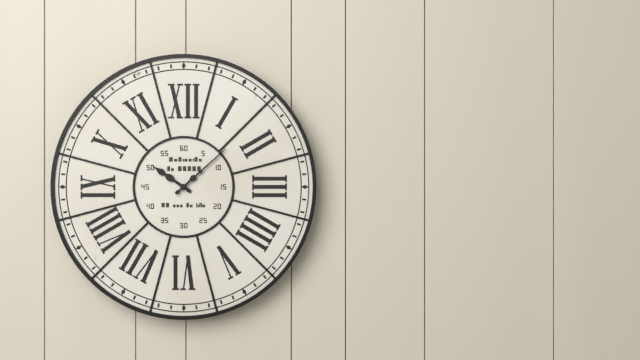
10h08
